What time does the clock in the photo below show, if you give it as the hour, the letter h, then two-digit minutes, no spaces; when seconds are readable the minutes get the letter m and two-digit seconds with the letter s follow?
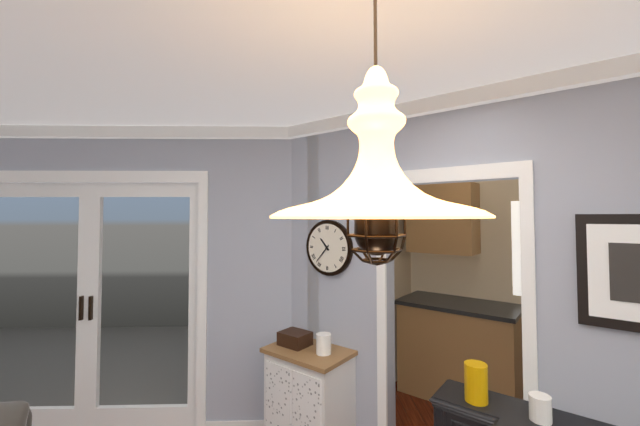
10h37
